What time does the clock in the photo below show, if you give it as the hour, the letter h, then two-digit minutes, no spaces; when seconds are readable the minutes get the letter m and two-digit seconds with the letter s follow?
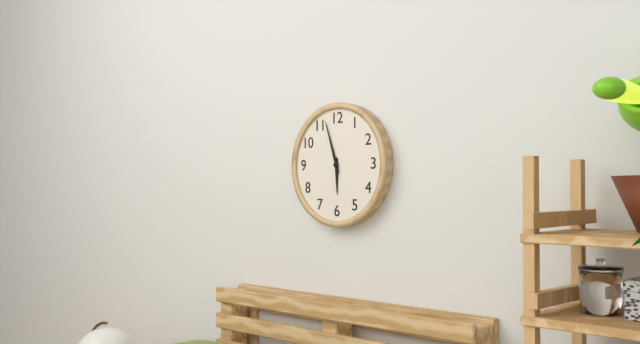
5h57
